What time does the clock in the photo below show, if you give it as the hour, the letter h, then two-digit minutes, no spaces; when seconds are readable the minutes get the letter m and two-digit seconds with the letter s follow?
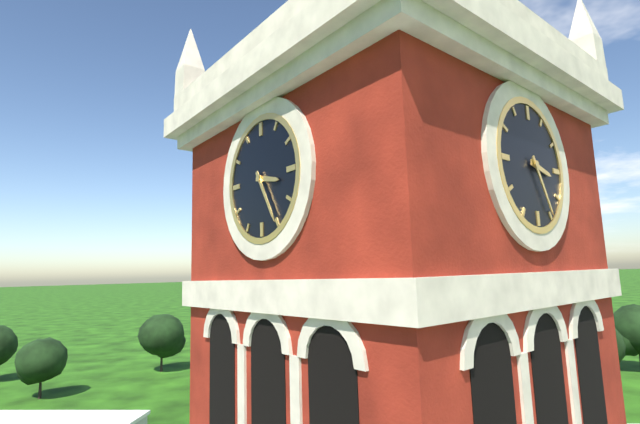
3h25
